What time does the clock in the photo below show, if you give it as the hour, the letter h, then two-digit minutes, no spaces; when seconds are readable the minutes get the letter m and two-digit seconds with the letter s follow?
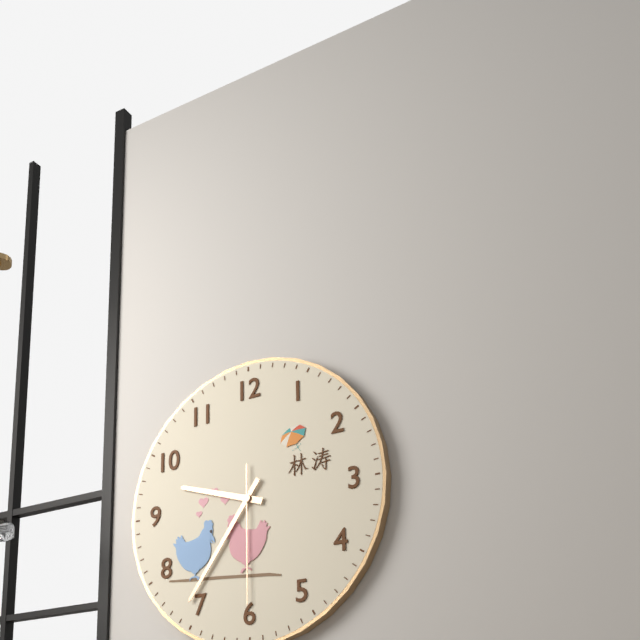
9h36m30s
